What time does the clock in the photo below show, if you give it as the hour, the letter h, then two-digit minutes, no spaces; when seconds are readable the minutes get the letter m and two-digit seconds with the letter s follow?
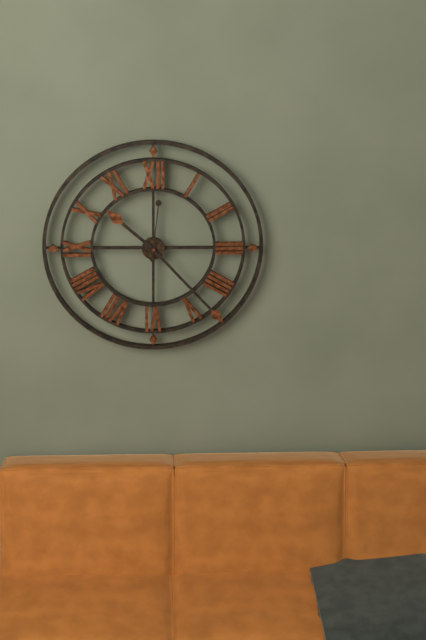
10h23m01s
